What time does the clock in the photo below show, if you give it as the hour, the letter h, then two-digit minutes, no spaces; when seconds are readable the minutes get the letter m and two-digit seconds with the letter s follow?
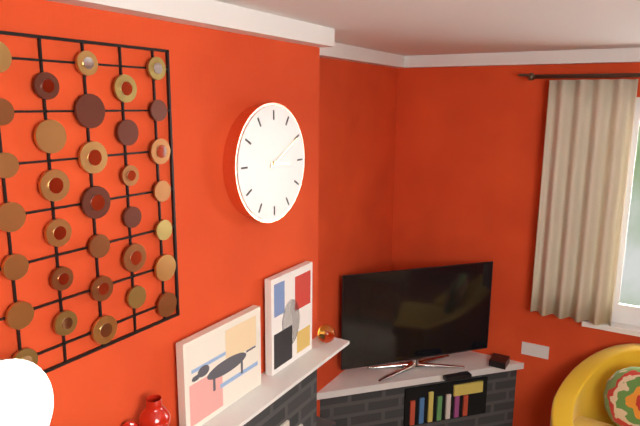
3h10
